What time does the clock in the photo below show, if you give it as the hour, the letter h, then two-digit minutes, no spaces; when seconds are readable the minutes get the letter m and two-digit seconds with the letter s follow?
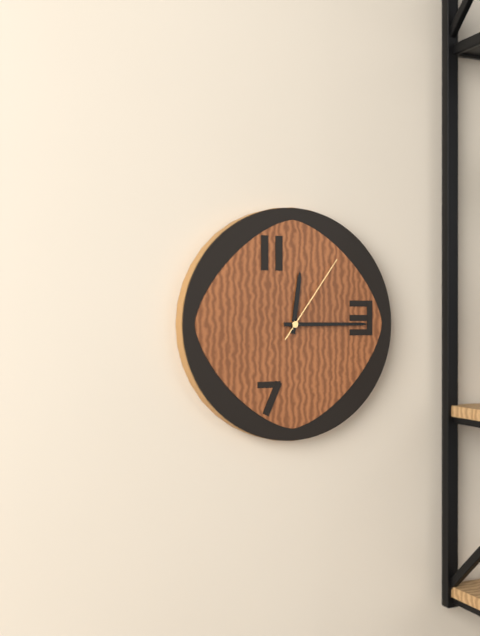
12h15m06s
